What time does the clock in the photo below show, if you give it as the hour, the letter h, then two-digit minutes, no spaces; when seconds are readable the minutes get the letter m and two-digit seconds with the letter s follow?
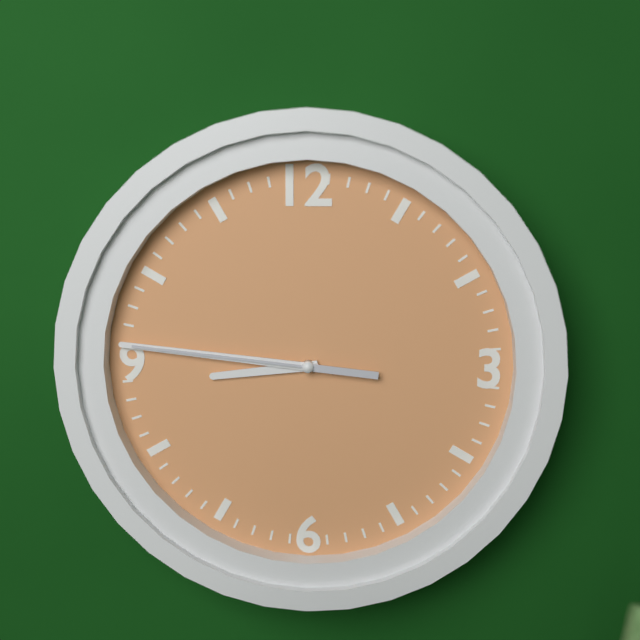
8h46m46s
